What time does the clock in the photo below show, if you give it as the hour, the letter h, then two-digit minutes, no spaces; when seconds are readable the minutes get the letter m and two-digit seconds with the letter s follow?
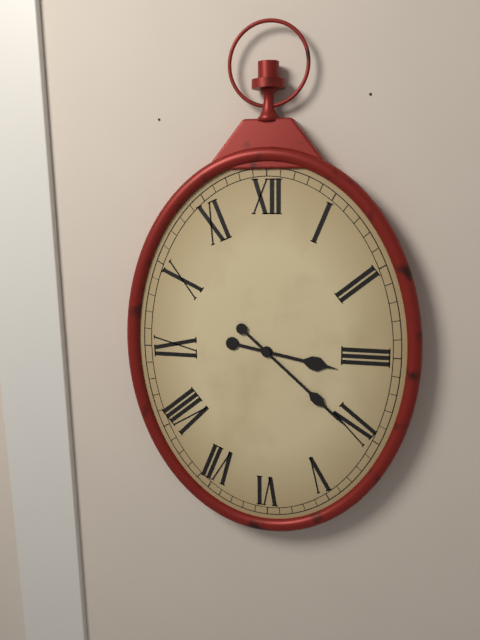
3h22
